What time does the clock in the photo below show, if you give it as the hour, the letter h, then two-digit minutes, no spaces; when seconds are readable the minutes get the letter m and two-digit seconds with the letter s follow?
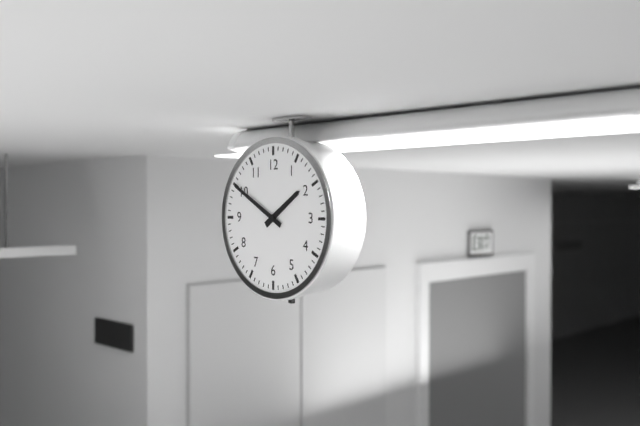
1h50
